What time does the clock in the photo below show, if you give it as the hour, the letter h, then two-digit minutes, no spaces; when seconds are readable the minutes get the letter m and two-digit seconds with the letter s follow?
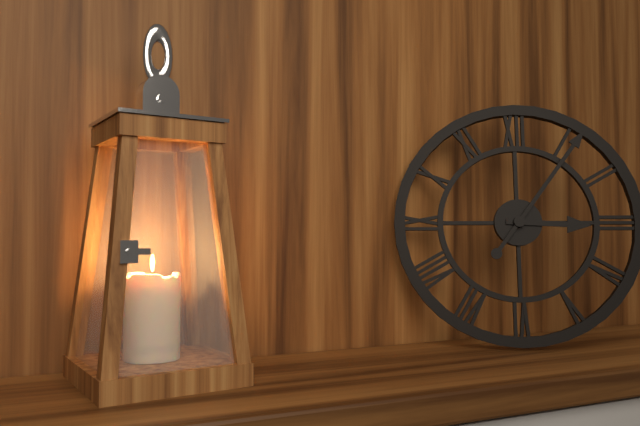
3h06
